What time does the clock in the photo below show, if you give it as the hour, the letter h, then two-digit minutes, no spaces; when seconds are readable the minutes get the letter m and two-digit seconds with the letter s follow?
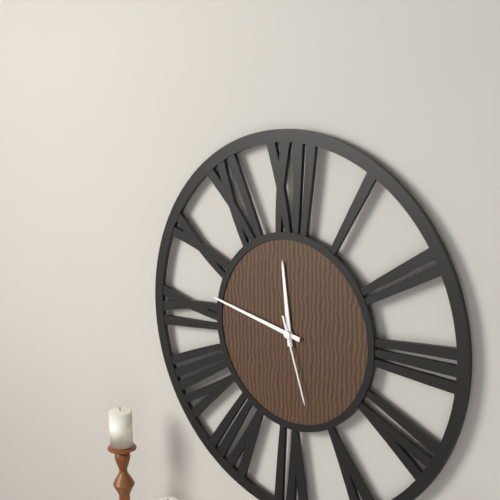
11h47m27s
